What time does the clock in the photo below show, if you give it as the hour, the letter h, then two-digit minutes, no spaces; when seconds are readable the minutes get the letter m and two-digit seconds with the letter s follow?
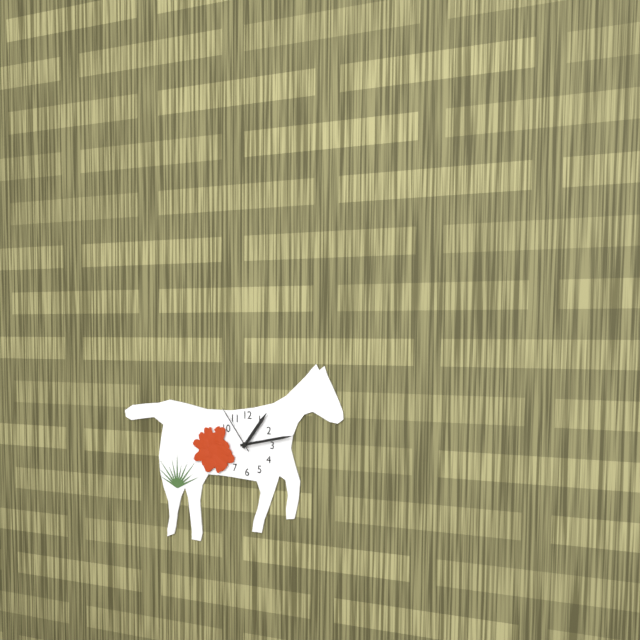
1h13m54s
